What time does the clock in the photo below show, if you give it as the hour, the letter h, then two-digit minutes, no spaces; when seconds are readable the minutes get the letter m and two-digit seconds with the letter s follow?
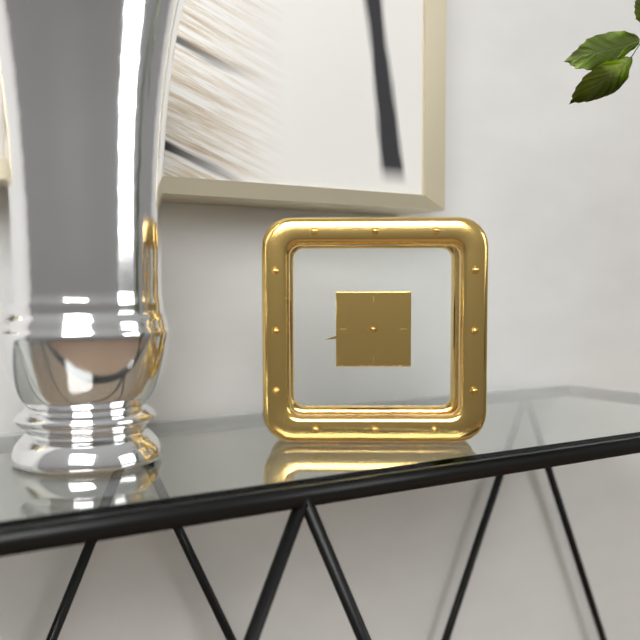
12h43
